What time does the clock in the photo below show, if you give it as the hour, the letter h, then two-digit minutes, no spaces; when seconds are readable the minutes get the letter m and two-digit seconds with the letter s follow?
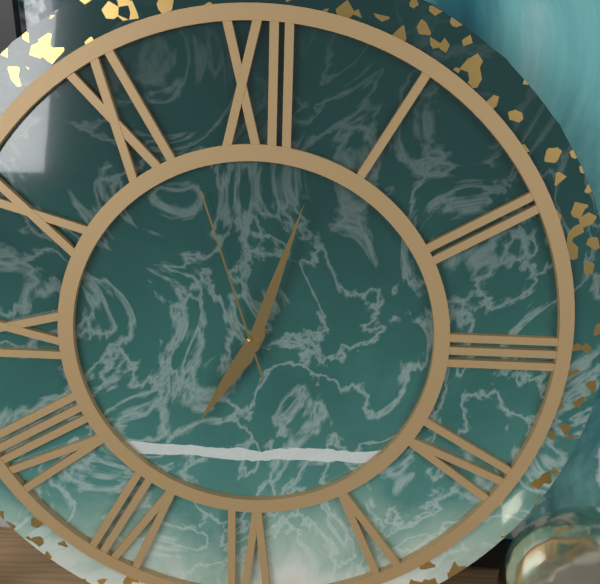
7h03m57s
